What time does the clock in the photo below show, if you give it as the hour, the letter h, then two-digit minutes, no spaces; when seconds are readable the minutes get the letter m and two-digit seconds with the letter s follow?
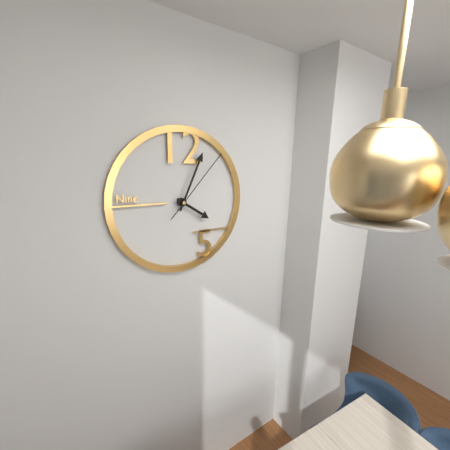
4h04m07s
